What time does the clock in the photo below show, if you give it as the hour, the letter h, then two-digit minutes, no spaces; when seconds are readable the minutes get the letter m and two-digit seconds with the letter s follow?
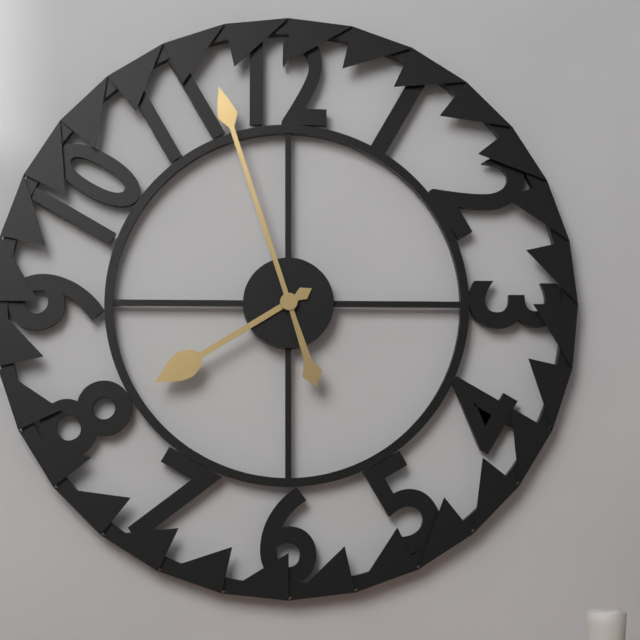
7h57
